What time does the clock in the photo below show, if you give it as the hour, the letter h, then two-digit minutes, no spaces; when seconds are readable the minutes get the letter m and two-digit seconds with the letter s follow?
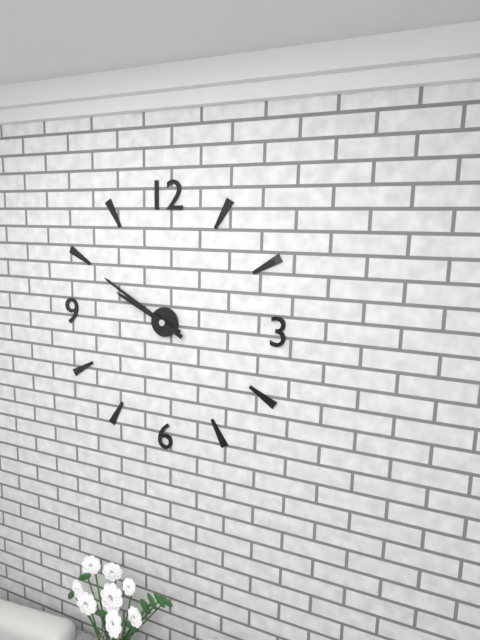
9h50
